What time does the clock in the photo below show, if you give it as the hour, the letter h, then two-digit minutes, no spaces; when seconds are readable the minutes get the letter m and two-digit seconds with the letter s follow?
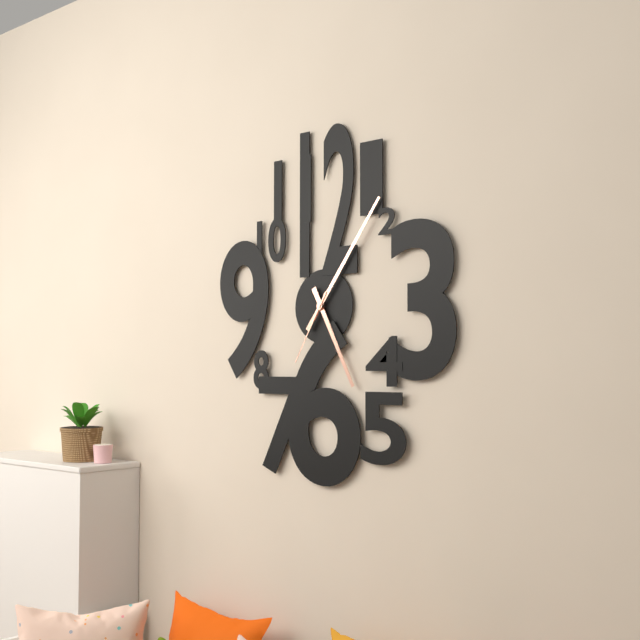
5h06m35s
